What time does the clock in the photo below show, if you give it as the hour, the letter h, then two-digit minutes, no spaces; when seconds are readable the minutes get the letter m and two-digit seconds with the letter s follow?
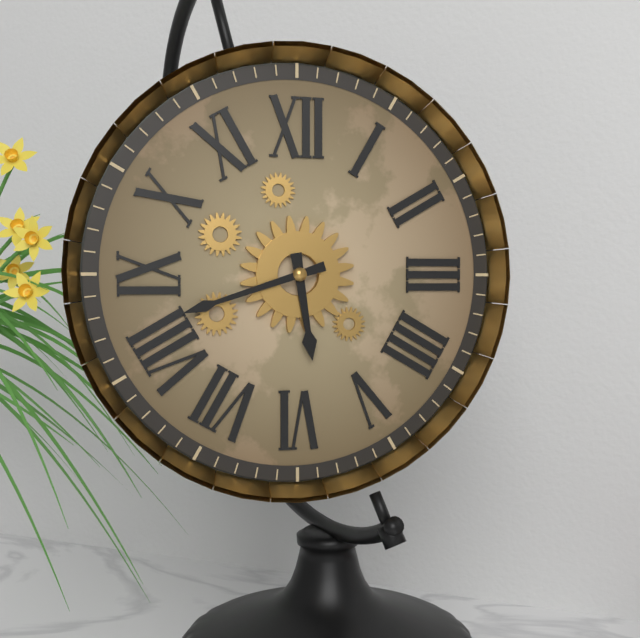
5h42
